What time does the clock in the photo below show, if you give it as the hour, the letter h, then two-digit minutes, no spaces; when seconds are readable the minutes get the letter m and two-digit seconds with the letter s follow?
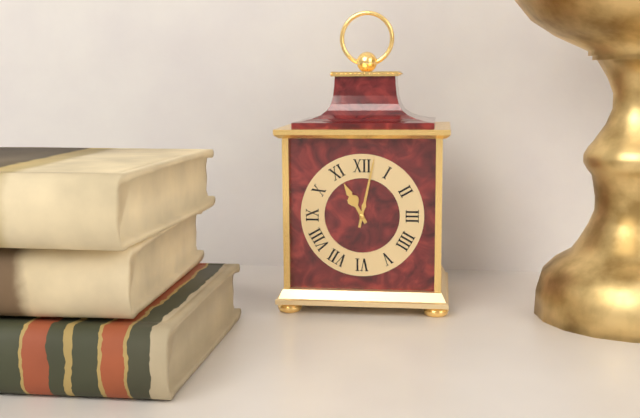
11h02
